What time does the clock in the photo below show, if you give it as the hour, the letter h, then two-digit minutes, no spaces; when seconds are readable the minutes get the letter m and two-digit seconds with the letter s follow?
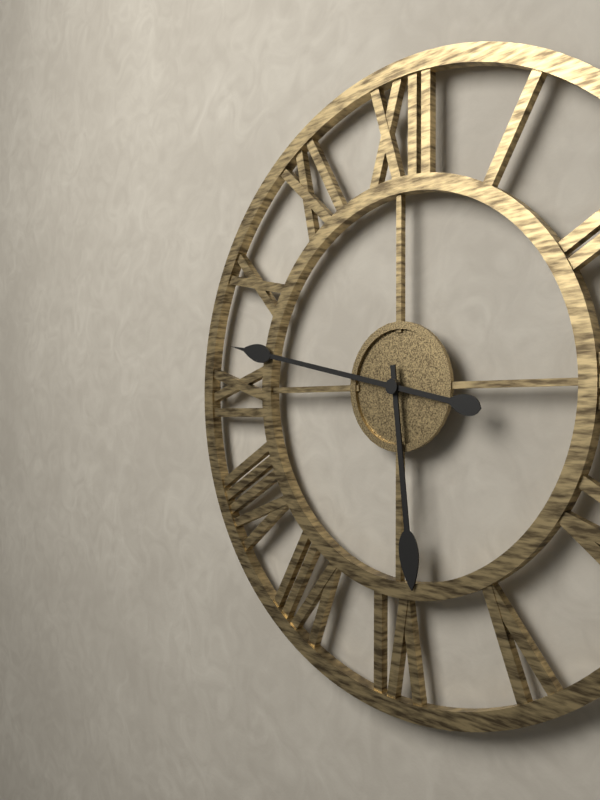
5h47
